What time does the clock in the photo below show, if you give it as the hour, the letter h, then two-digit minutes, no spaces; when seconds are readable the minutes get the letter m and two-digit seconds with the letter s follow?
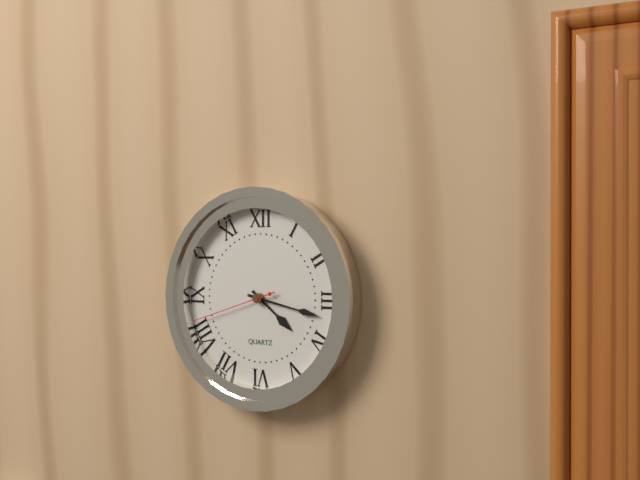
4h17m42s
